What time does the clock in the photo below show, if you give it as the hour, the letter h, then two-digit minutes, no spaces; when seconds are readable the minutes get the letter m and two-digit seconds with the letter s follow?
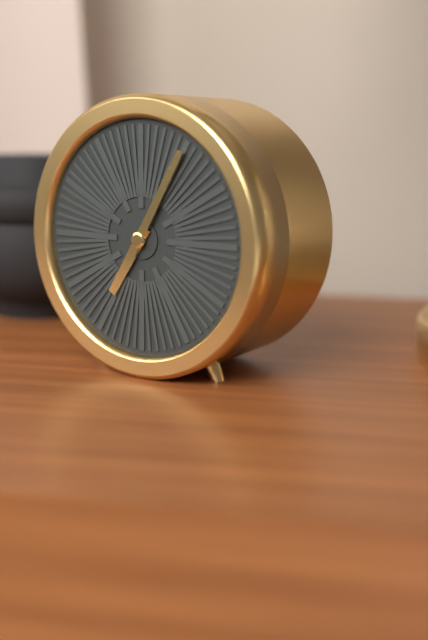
7h05
